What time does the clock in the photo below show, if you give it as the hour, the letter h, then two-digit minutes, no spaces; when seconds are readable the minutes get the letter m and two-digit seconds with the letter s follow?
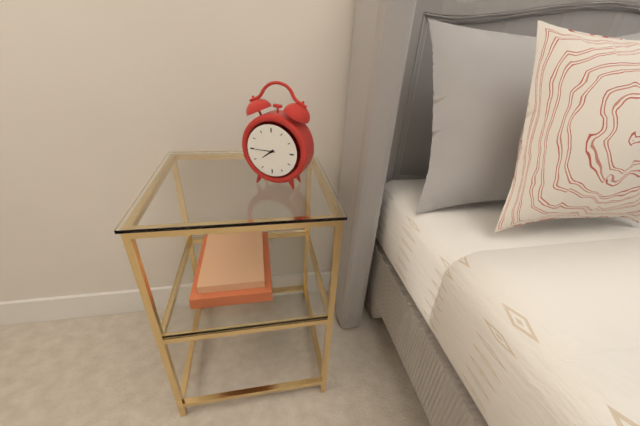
7h45
